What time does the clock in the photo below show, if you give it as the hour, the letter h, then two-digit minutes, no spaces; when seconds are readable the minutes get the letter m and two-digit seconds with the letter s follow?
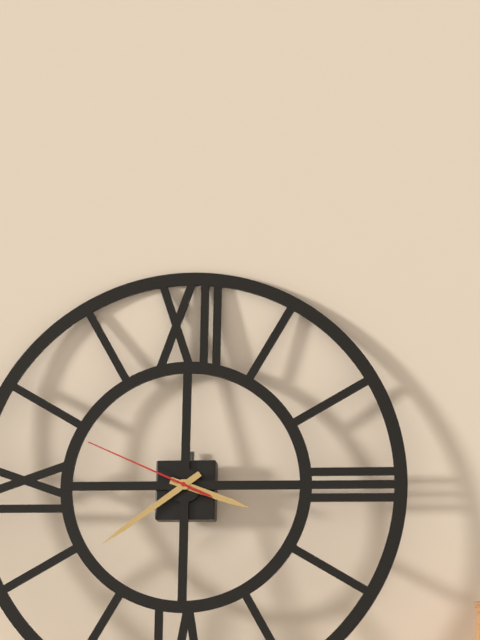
3h39m49s
